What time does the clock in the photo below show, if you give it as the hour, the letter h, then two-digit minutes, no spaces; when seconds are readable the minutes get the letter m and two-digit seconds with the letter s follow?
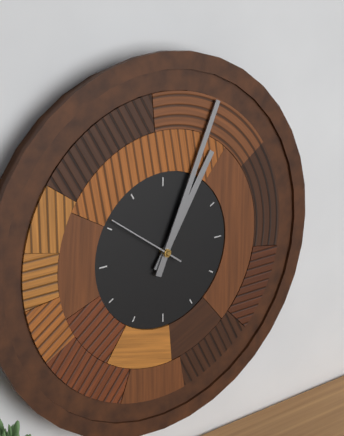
1h04m51s
